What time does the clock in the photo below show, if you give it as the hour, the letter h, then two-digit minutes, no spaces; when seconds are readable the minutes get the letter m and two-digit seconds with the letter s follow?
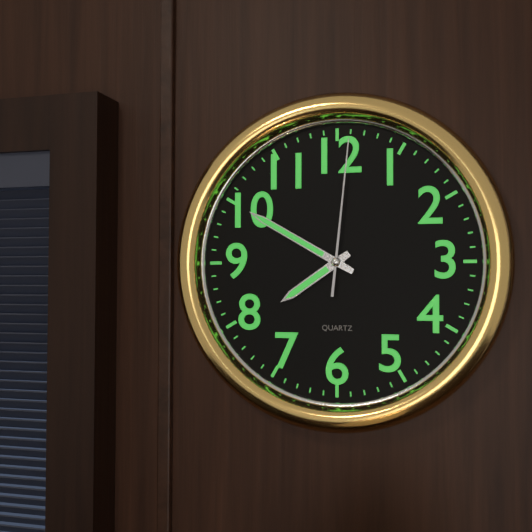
7h50m01s
